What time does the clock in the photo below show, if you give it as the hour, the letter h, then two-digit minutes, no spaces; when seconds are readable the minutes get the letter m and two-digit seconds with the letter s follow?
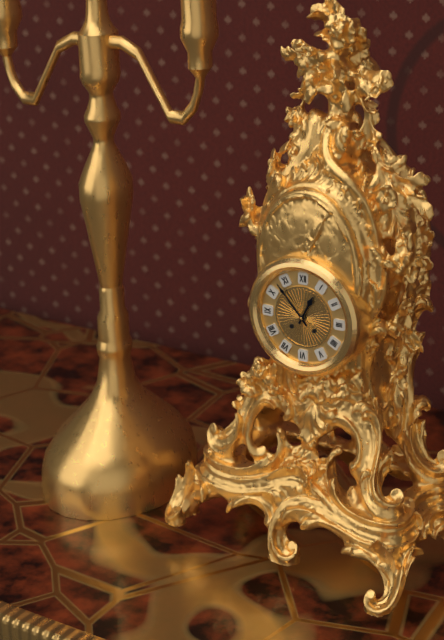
12h53
